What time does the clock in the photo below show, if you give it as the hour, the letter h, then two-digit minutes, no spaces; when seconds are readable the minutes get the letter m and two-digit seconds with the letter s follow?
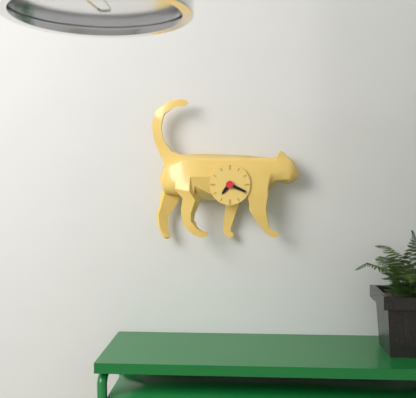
7h19
